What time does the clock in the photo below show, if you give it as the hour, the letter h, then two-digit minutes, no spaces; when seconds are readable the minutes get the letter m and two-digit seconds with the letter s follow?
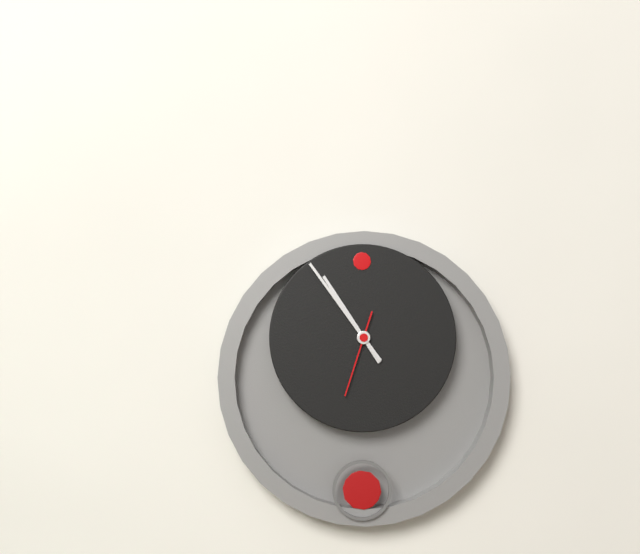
10h54m33s
